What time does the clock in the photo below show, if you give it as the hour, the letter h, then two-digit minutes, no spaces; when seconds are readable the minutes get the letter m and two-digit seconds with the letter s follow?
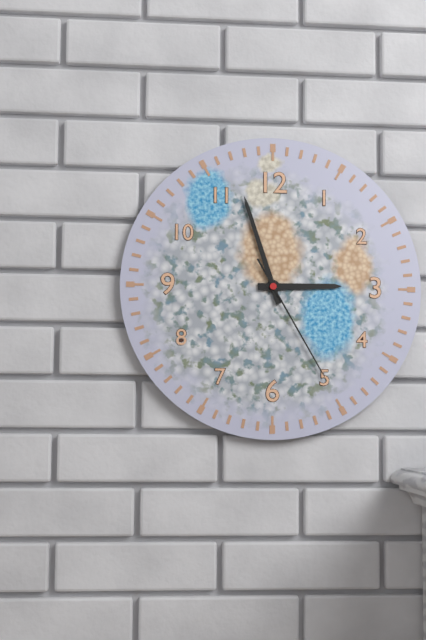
2h57m25s
